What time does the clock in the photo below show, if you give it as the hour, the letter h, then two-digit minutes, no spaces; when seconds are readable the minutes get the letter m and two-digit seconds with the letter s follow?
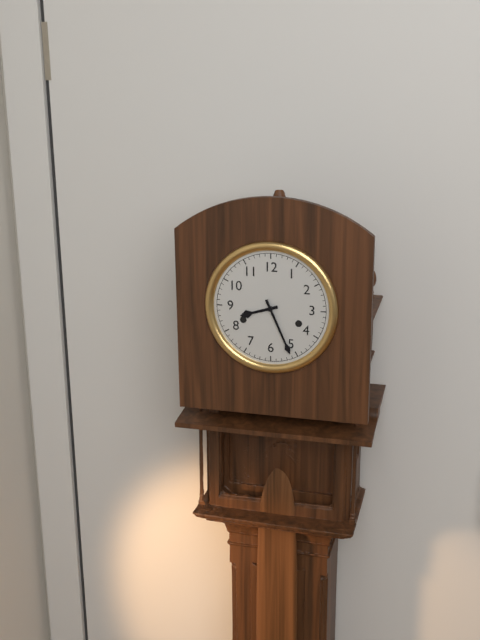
8h26
